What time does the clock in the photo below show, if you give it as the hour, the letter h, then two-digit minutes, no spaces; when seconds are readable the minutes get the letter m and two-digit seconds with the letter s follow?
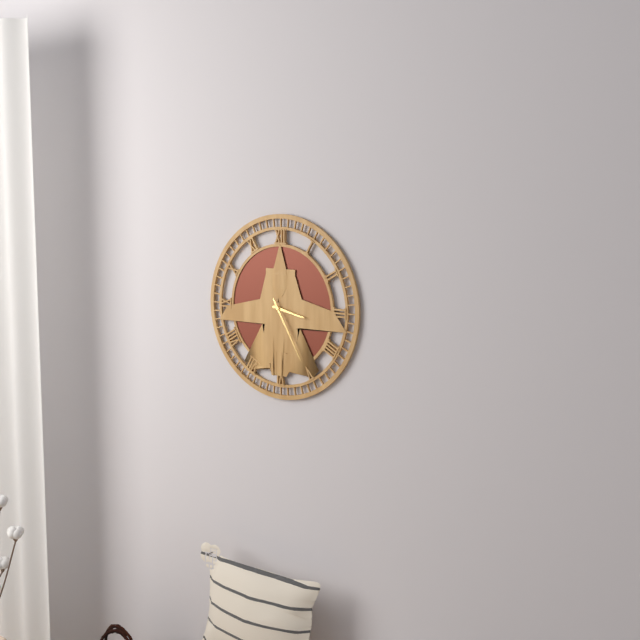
3h25
